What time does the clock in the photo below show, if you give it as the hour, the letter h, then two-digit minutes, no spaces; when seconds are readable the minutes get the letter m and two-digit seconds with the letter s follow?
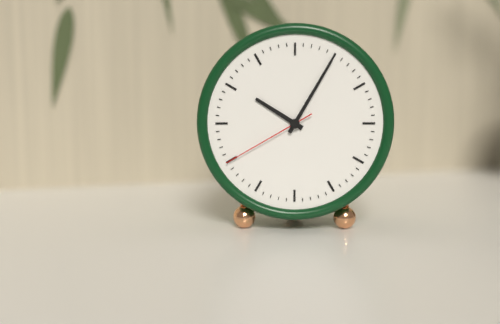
10h05m40s
